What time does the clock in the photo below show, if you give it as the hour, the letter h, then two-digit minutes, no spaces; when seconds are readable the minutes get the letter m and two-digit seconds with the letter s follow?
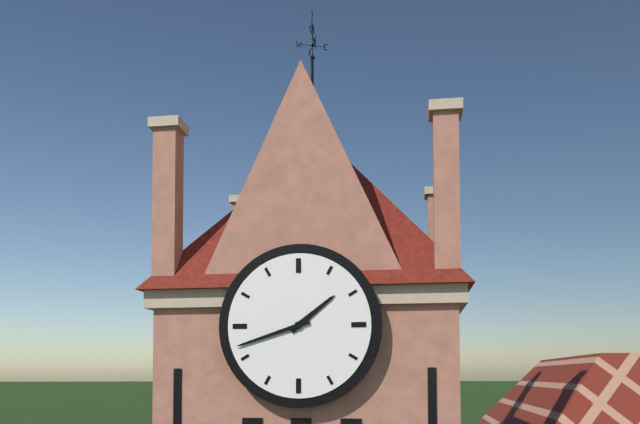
1h42
